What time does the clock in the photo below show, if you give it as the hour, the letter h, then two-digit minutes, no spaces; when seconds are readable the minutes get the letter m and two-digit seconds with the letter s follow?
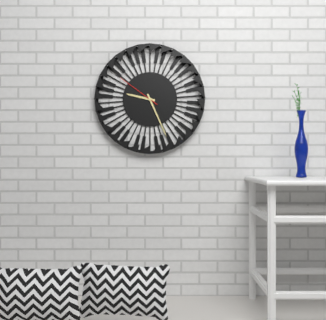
9h26
